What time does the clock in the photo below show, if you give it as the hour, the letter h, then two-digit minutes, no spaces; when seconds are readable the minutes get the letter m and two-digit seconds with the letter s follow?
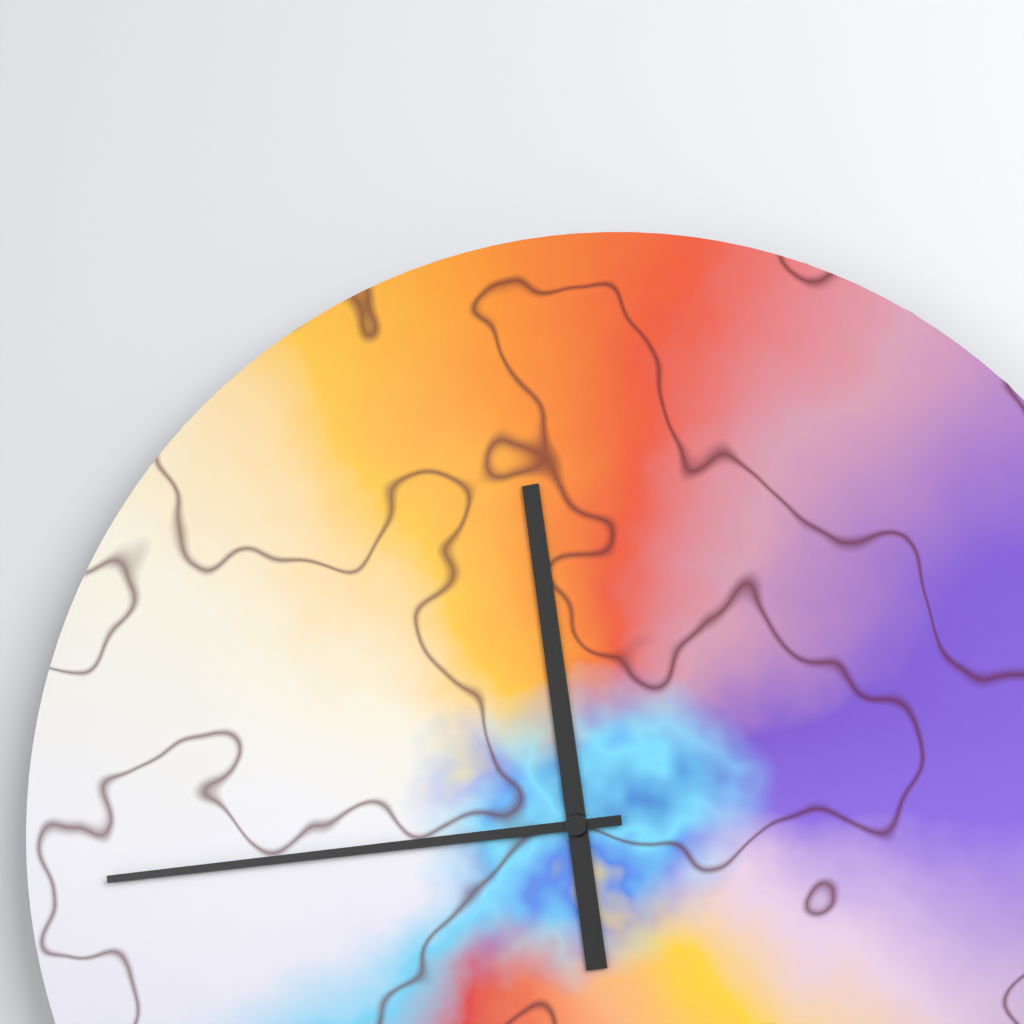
11h44
